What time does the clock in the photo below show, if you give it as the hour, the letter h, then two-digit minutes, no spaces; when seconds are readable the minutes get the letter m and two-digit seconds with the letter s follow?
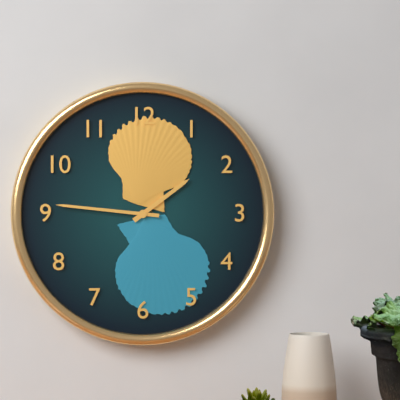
1h46
